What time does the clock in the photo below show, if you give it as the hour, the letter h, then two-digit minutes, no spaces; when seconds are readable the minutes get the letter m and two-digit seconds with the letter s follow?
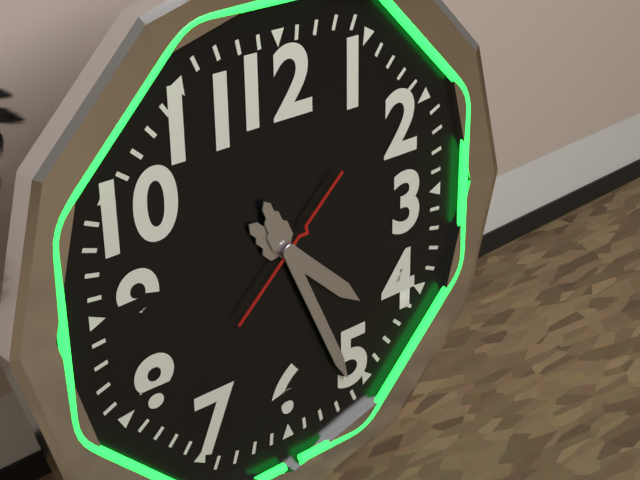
4h26m08s
